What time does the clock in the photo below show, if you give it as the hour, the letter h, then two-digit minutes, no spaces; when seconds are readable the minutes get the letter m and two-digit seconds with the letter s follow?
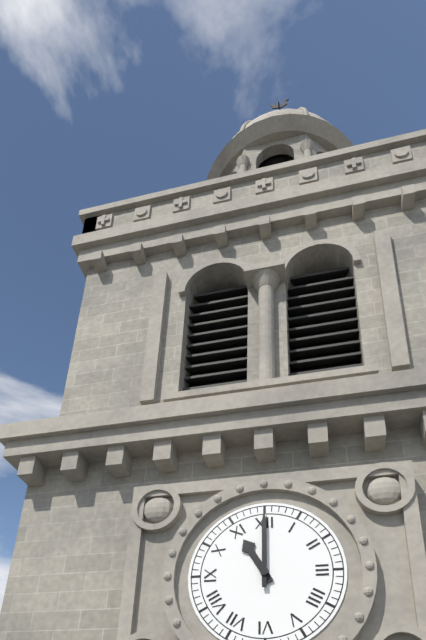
11h00
